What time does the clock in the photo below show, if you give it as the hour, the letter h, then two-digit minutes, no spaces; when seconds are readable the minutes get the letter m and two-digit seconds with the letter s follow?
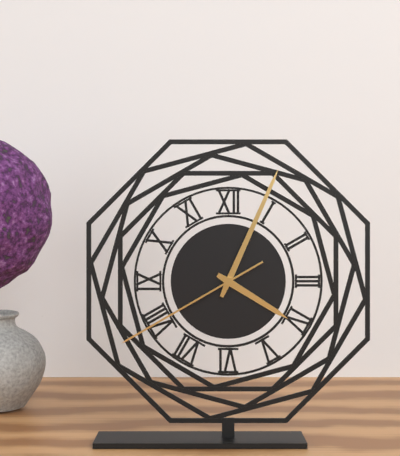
4h04m40s
